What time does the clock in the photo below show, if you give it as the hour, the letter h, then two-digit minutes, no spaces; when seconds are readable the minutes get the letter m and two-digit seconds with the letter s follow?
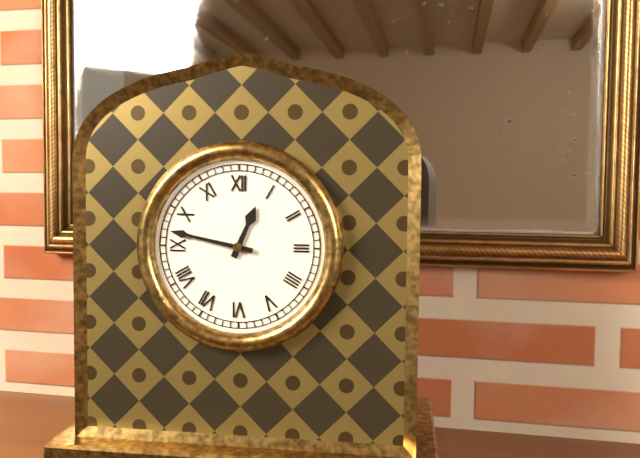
12h47
